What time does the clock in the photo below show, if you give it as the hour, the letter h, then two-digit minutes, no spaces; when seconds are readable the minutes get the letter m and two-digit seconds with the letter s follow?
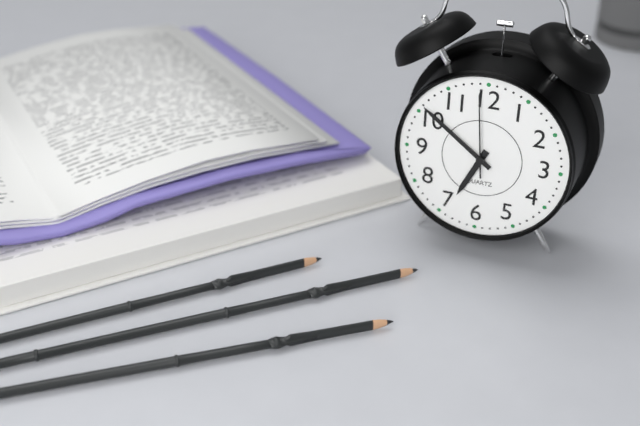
6h51m59s
